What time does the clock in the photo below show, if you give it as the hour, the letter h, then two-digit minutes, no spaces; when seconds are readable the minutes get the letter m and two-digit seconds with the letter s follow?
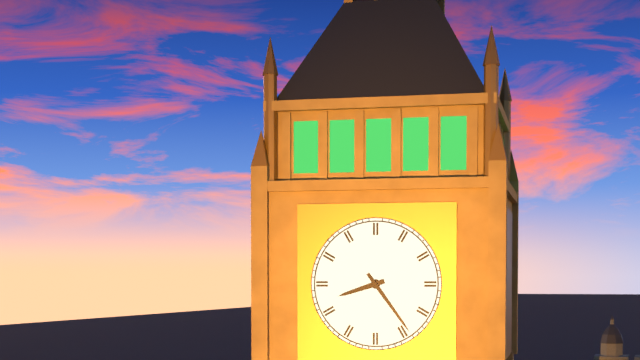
8h24
